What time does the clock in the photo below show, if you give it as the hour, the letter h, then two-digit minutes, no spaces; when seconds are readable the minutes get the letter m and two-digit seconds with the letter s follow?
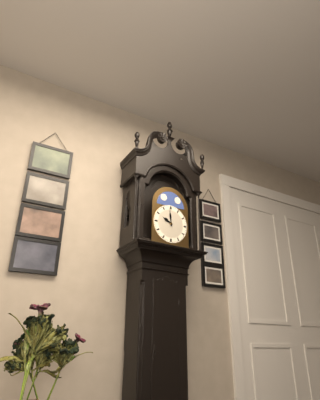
9h59
